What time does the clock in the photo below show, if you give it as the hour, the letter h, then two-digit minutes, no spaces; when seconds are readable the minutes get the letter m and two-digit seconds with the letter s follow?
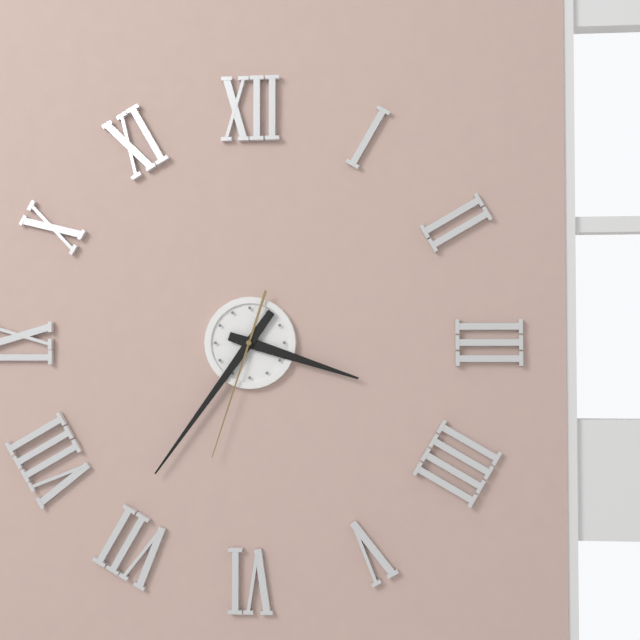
3h36m33s
